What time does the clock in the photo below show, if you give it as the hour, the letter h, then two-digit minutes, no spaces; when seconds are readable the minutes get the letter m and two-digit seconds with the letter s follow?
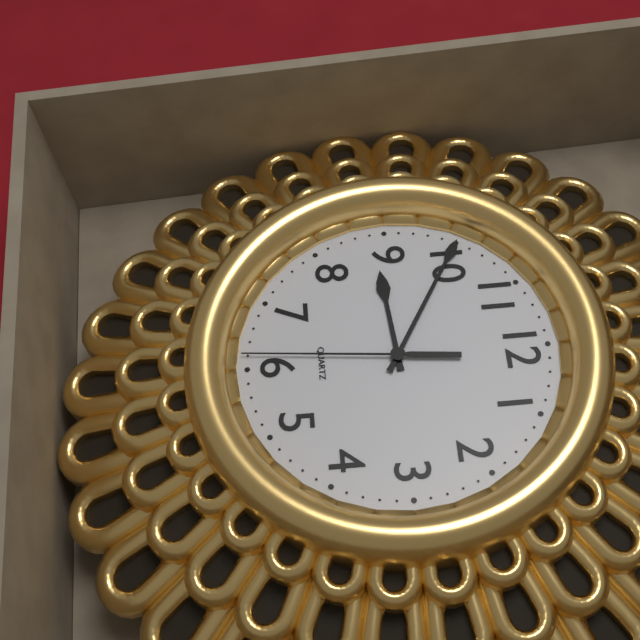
8h50m31s
